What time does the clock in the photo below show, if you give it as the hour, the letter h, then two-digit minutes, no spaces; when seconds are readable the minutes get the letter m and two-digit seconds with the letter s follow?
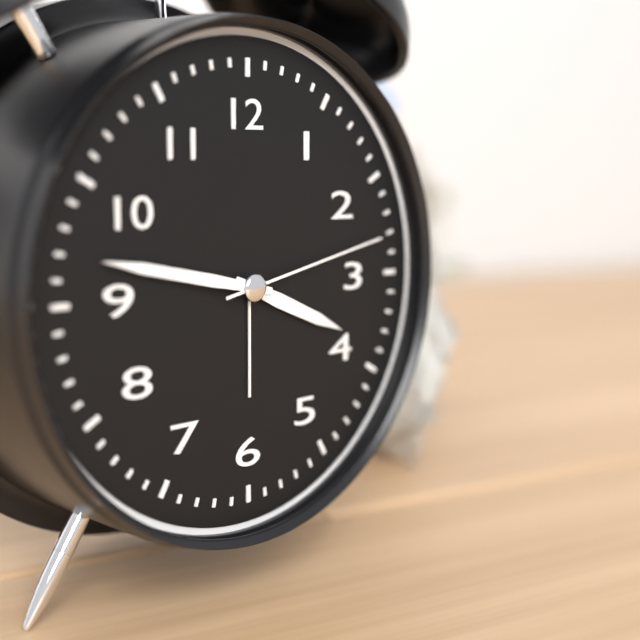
3h47m13s
